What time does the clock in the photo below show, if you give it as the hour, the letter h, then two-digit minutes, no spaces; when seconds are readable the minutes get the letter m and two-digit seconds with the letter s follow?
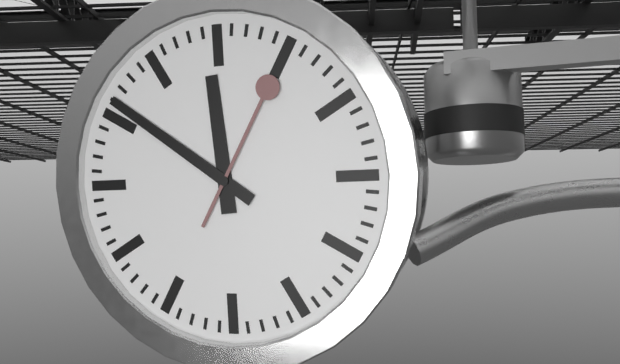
11h51m05s
